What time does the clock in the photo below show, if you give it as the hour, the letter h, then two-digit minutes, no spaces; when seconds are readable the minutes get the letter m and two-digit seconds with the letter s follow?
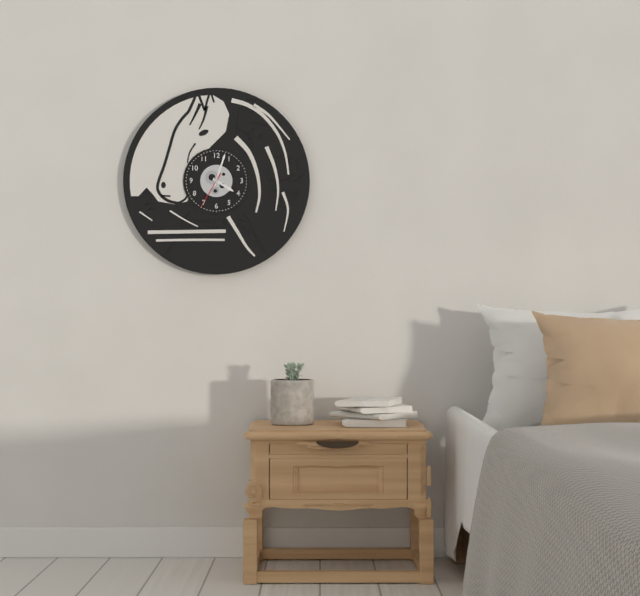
4h03
